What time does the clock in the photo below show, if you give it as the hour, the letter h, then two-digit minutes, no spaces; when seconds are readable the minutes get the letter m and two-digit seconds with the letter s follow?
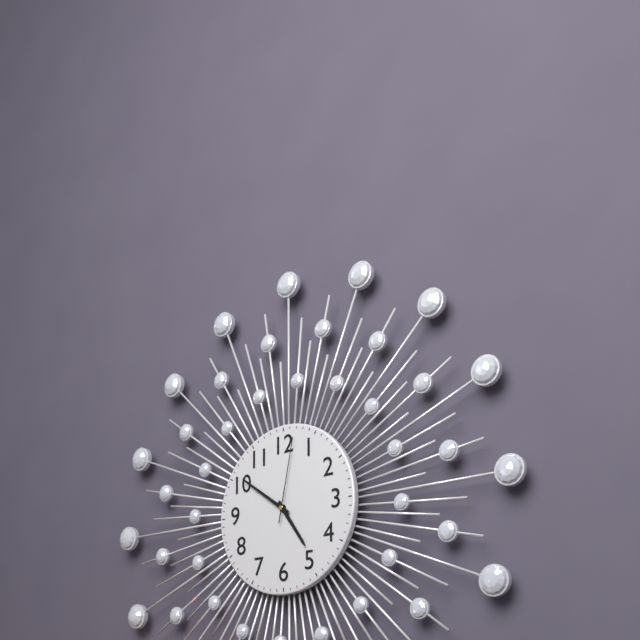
4h51m02s
